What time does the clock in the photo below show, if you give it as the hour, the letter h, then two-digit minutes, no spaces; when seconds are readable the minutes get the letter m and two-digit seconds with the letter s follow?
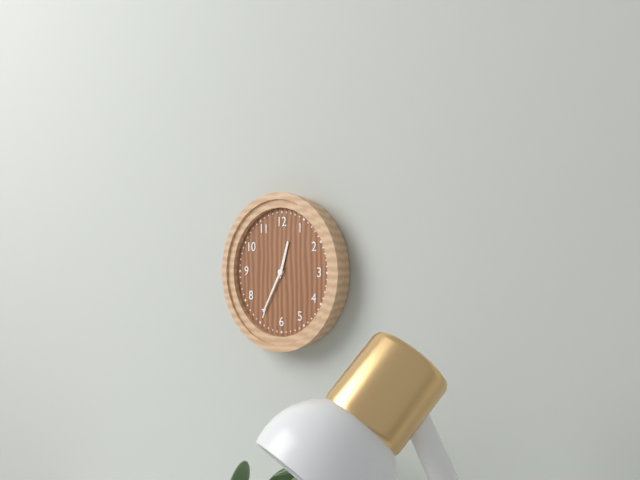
12h35
